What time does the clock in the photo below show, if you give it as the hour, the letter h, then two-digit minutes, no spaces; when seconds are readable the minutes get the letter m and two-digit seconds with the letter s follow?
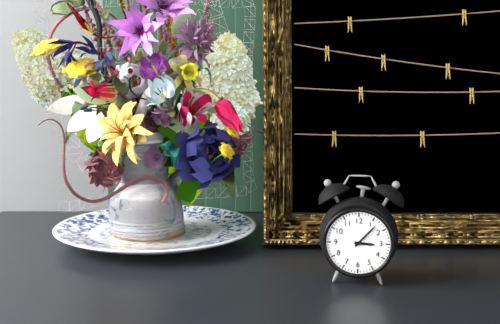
3h07
